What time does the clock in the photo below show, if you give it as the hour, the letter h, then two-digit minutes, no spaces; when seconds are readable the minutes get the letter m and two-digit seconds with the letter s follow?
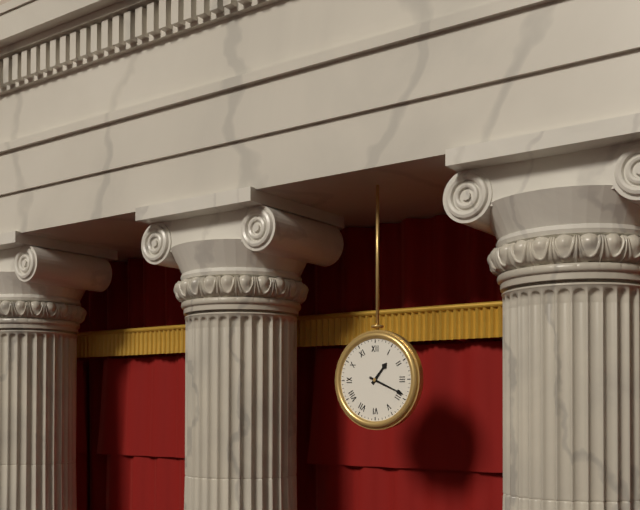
1h19
